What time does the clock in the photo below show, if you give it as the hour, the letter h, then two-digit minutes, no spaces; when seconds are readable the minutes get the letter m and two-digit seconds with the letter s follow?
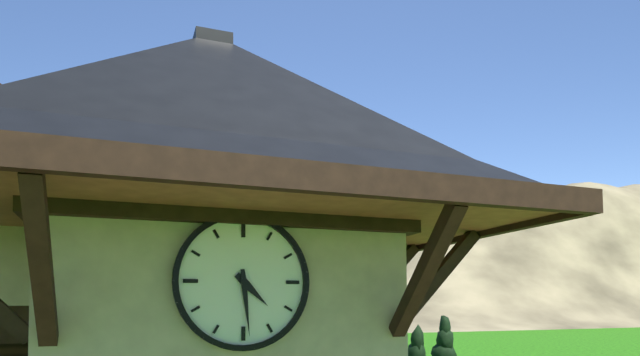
4h29
